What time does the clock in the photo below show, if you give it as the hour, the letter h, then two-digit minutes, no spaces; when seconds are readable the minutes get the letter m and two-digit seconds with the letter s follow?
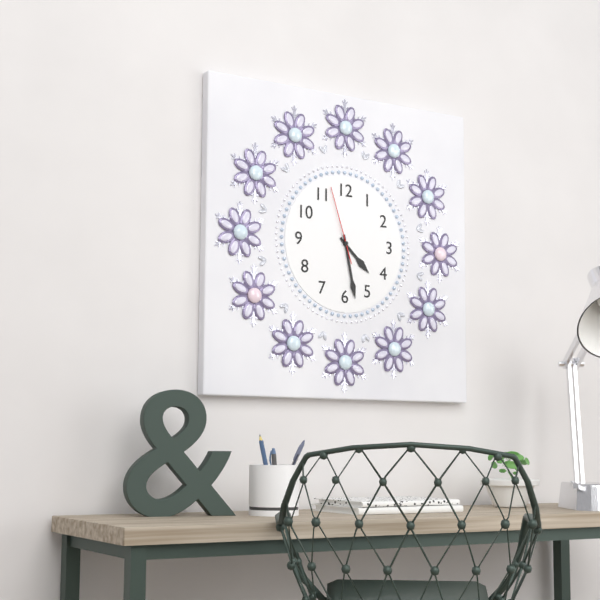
4h28m57s
